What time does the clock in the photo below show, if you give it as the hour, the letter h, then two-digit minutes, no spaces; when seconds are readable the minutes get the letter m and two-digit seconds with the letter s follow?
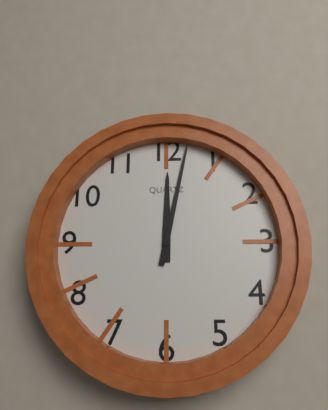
12h02
